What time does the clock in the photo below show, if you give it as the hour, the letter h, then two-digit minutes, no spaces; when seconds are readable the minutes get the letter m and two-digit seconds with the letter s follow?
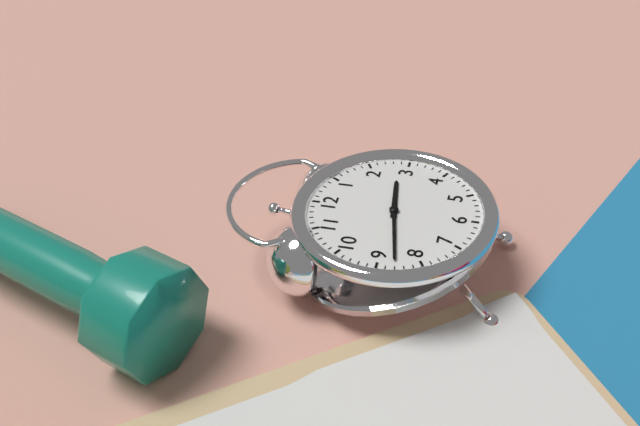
2h43
